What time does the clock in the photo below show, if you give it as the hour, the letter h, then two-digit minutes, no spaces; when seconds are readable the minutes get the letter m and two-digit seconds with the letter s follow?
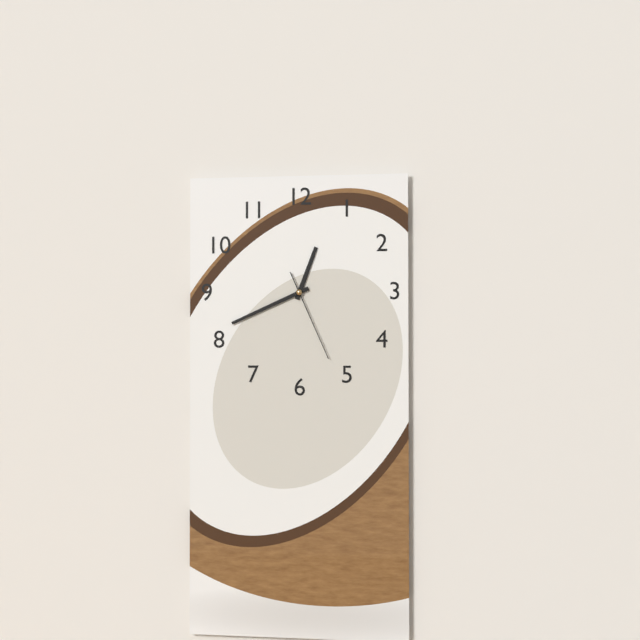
12h41m26s
